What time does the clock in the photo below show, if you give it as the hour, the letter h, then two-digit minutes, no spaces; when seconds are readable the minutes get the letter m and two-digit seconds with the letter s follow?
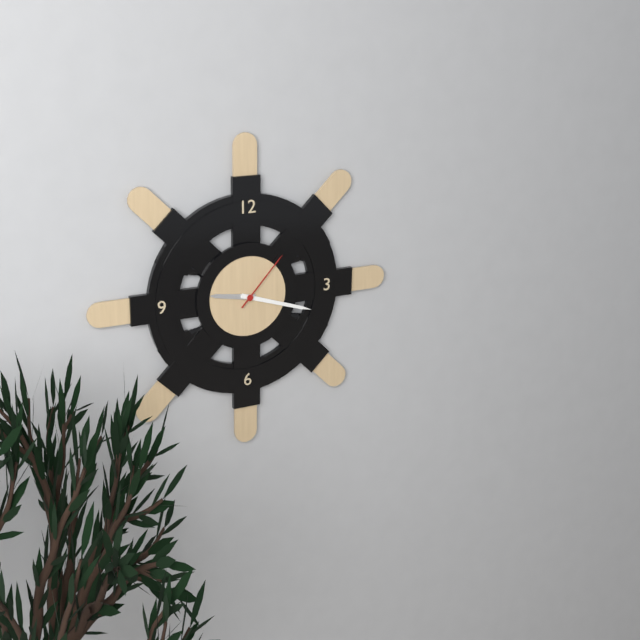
9h18m07s
